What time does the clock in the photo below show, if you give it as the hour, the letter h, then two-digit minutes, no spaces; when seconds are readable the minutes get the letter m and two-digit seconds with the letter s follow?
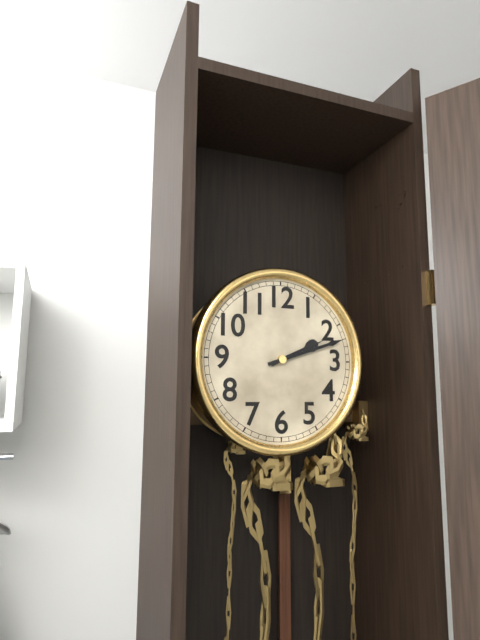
2h12
